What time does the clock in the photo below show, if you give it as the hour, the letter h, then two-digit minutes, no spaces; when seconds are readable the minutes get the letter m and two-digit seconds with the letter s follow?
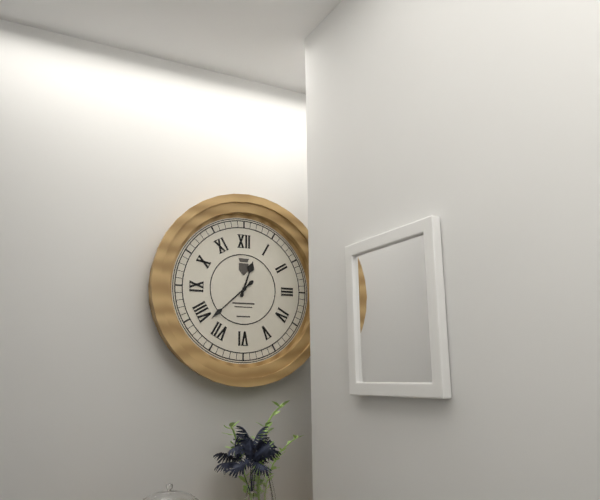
12h38
